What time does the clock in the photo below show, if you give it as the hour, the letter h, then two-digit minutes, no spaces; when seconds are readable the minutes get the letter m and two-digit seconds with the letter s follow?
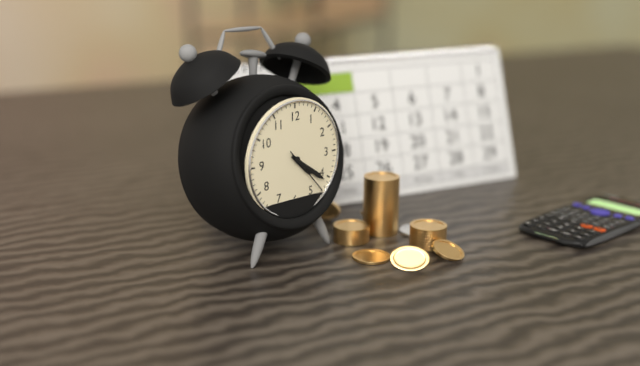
4h21m23s
